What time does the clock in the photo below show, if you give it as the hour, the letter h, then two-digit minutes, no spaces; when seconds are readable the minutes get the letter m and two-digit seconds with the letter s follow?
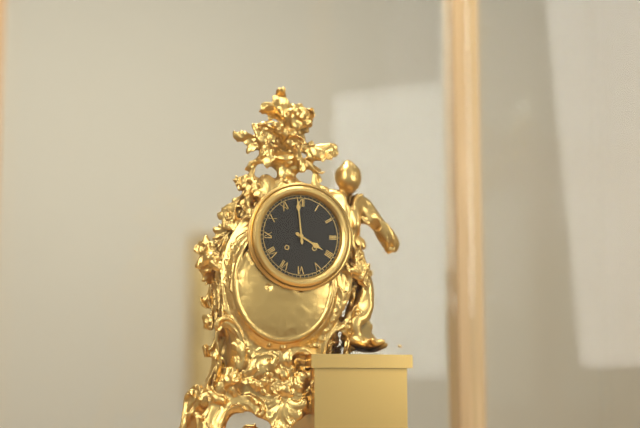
3h59
